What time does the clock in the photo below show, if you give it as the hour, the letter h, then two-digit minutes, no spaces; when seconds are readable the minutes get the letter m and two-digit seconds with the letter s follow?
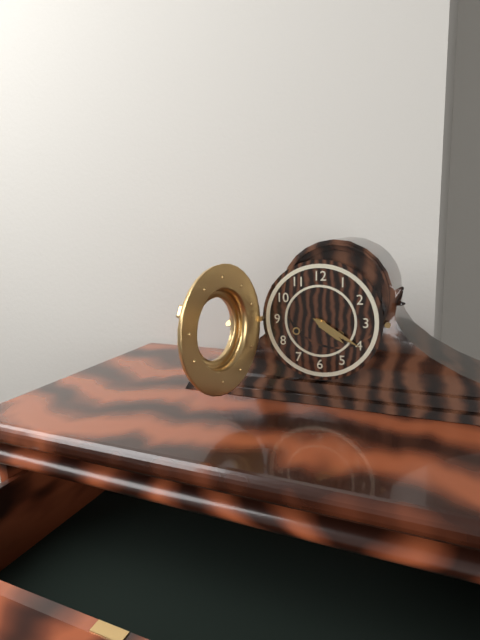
4h20
